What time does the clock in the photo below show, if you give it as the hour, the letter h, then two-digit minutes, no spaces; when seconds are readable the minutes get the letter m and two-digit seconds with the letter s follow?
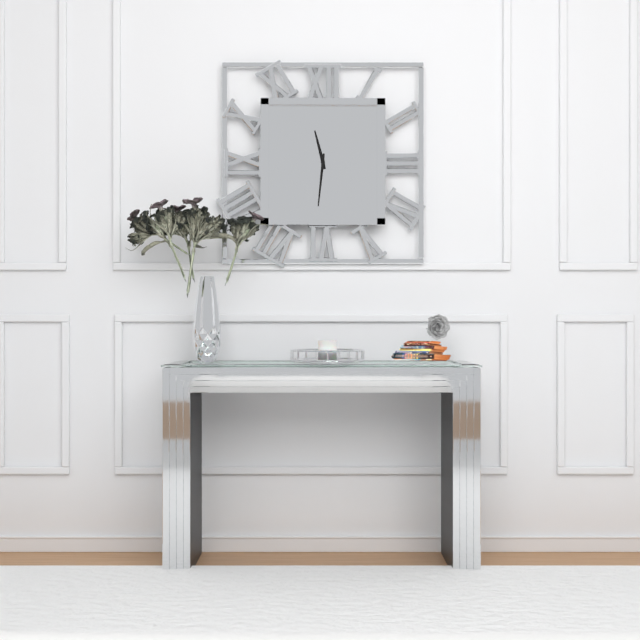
11h31
